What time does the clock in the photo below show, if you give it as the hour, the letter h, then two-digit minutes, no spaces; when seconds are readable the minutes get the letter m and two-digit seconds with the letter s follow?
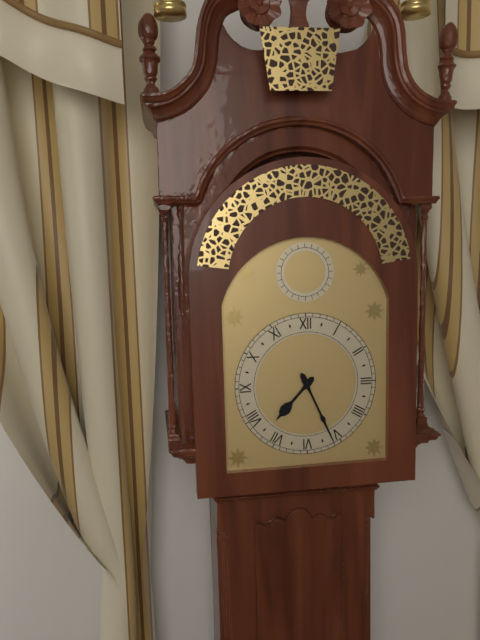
7h26
